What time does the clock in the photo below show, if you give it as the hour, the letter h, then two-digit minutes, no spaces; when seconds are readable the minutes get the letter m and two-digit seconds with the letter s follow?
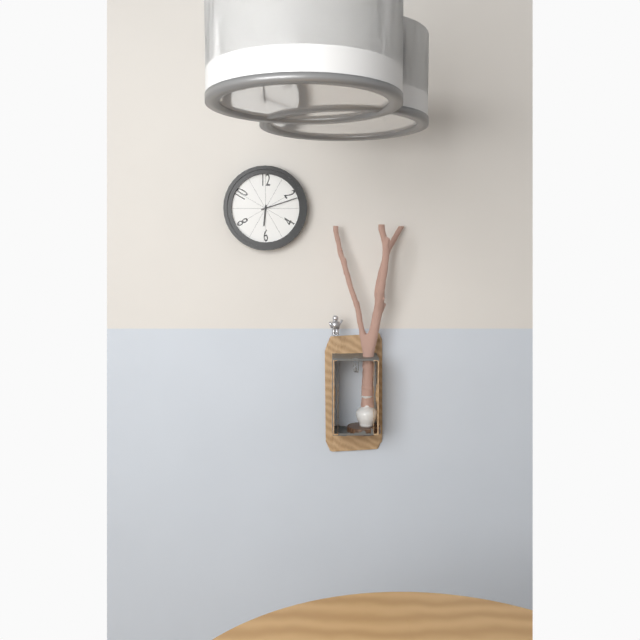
6h12
